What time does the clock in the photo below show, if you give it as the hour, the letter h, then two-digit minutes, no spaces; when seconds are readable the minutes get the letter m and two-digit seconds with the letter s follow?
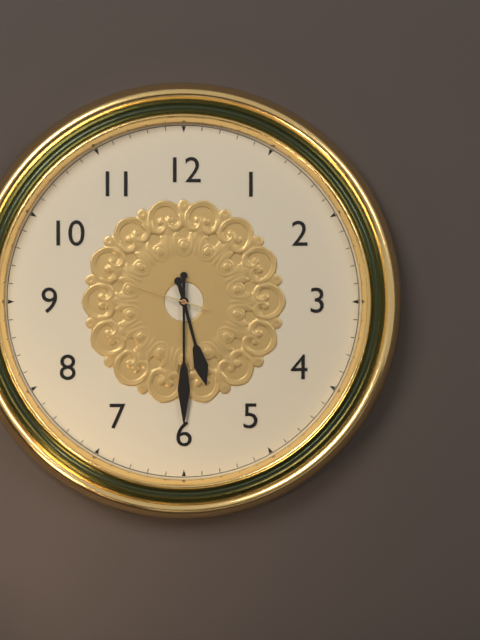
5h30m48s
